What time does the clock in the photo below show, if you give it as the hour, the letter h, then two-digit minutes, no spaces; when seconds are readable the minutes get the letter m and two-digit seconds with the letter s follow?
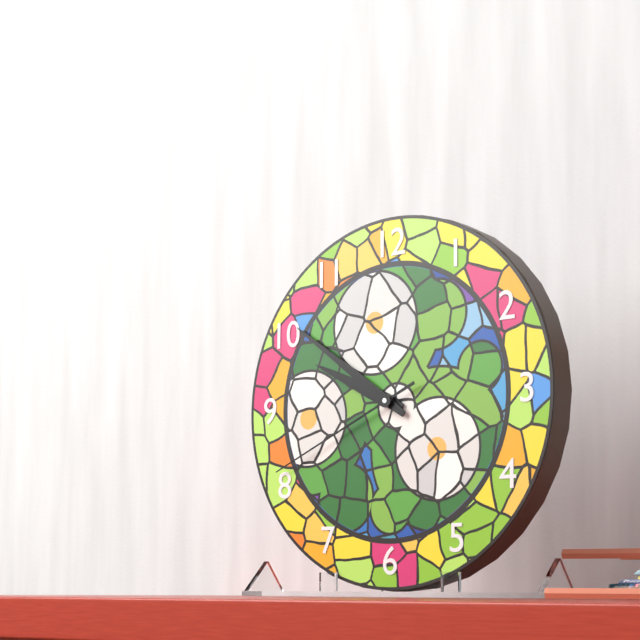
9h51m41s
